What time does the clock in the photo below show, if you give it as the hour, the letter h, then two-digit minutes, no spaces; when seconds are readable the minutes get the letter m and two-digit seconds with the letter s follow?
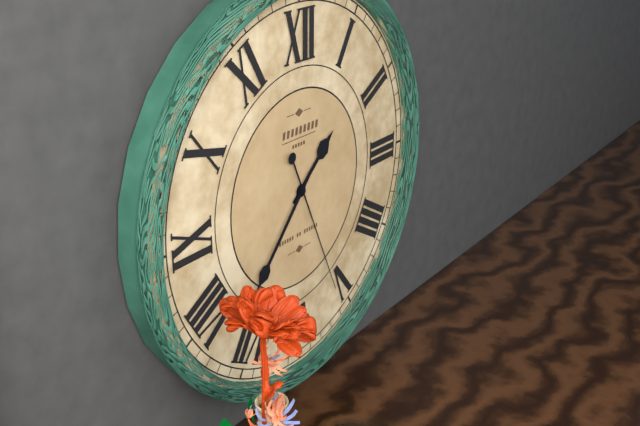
1h37m26s
